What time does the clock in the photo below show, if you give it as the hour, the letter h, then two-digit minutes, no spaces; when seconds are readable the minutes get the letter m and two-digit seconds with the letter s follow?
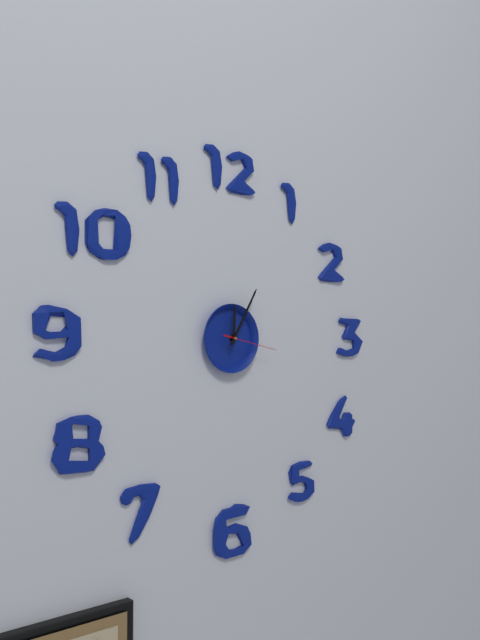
12h05m17s
